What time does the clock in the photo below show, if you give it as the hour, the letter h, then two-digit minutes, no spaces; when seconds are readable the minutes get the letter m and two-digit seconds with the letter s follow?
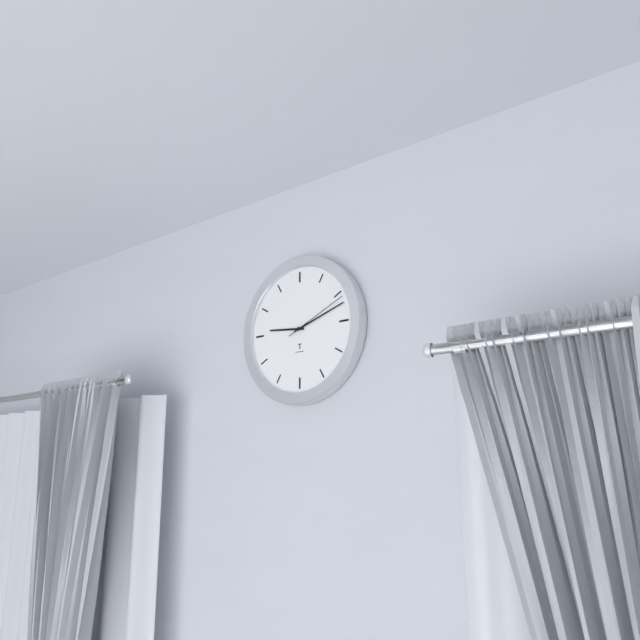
9h12m11s
